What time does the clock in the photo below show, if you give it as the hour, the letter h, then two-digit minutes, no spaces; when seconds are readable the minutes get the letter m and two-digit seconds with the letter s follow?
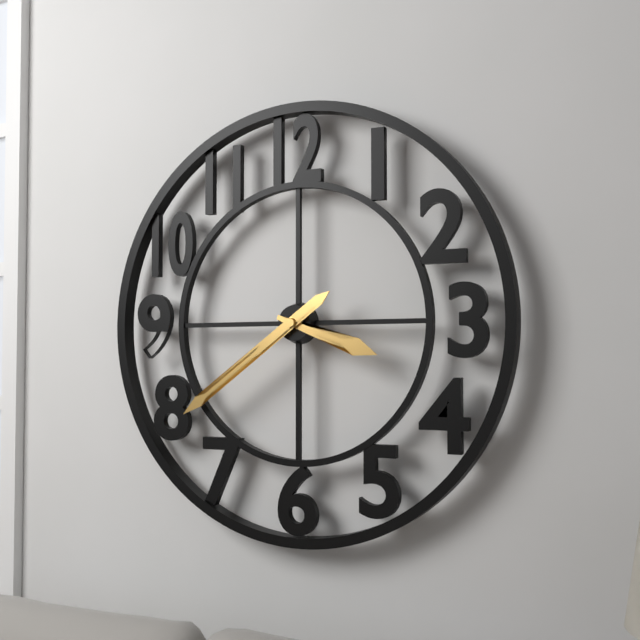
3h39
